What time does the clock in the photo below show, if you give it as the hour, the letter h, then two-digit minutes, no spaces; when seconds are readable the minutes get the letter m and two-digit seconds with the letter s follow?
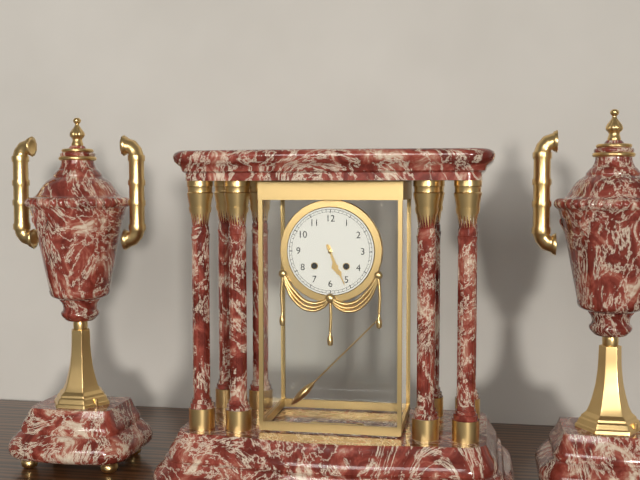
5h26
